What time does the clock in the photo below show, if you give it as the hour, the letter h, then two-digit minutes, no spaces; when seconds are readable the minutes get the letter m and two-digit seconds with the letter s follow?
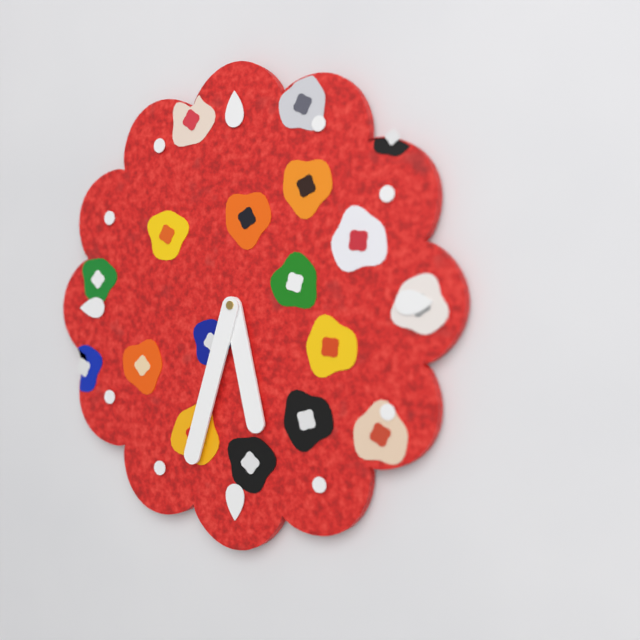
5h33
